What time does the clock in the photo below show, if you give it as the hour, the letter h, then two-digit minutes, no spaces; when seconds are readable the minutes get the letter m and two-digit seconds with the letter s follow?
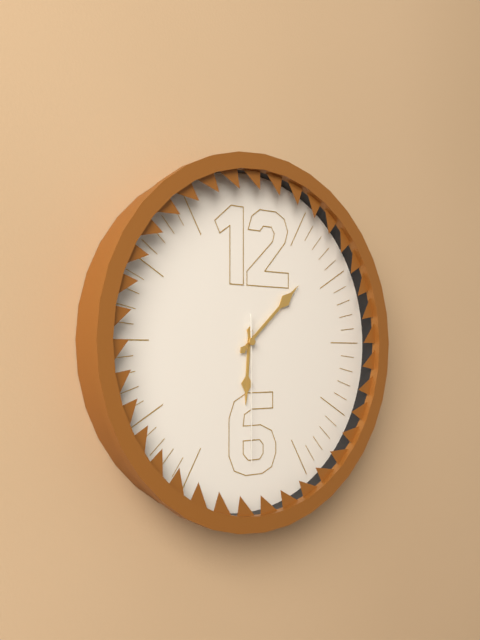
6h08m30s
